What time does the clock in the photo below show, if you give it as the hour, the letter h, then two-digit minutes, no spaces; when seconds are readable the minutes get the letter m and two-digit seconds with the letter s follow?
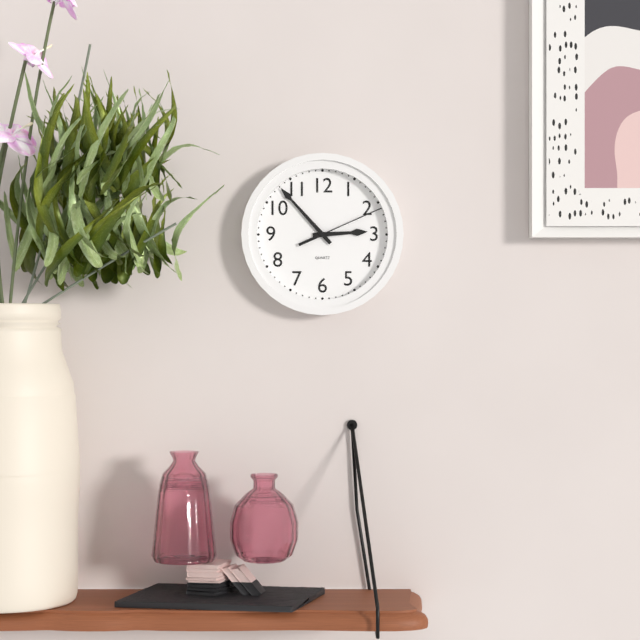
2h53m11s
